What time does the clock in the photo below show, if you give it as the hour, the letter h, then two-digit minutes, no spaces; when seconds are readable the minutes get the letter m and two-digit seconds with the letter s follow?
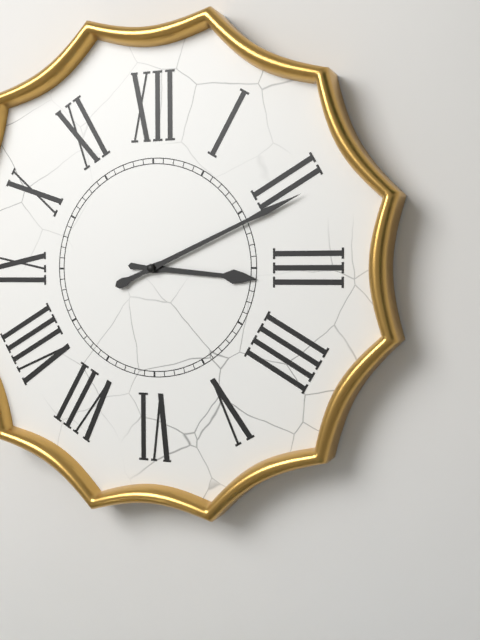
3h11
